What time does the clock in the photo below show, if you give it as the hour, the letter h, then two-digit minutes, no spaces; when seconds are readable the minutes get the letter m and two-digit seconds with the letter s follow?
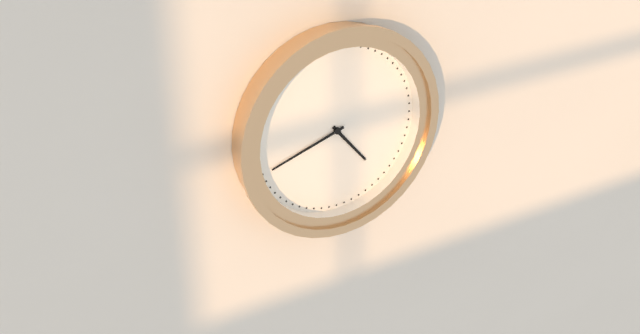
4h42
